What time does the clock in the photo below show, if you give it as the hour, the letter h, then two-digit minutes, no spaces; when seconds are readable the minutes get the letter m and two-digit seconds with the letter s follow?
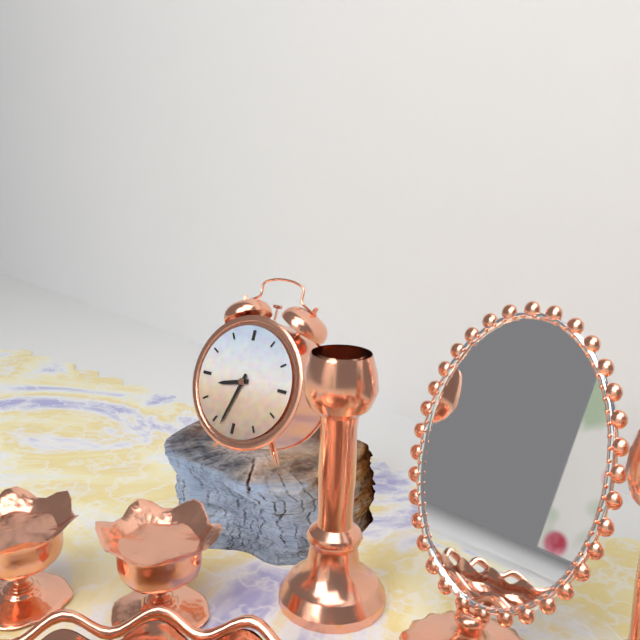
8h33
